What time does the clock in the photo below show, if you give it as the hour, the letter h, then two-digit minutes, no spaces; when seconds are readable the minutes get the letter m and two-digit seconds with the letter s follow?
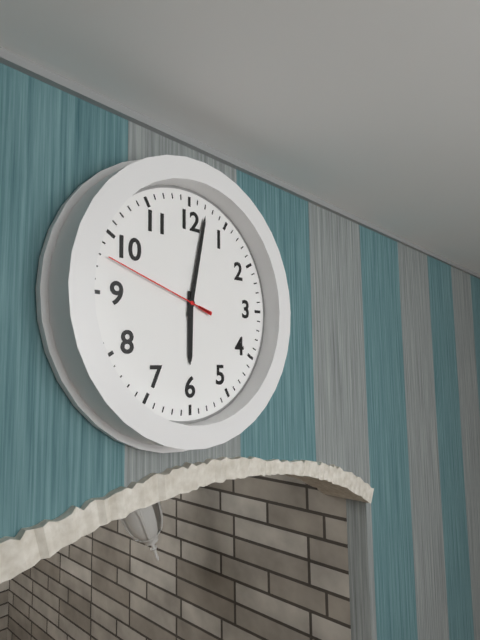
6h02m48s
